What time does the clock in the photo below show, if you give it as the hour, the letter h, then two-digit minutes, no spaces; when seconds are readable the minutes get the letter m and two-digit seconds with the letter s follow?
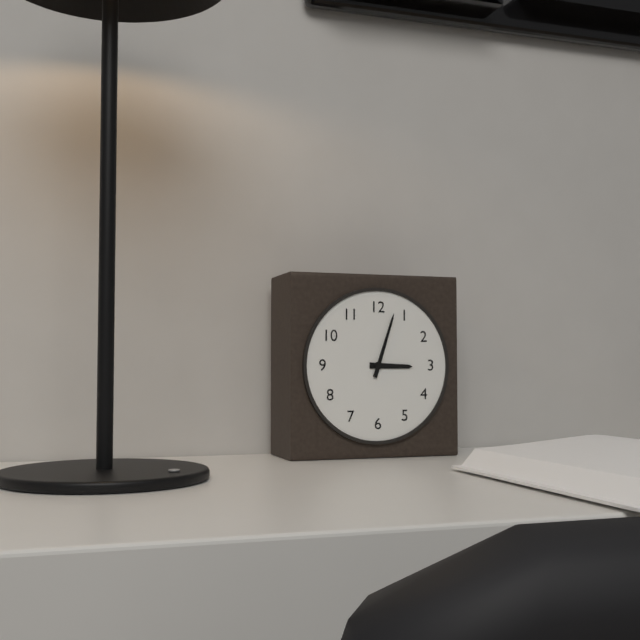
3h03
